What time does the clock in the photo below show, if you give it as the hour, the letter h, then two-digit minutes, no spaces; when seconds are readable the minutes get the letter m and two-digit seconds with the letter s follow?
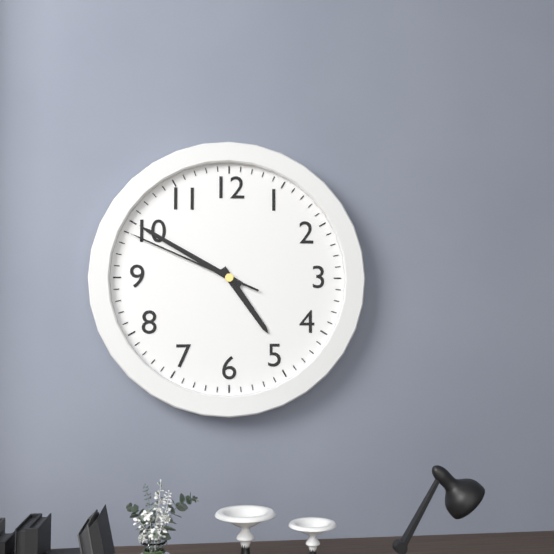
4h50m49s
